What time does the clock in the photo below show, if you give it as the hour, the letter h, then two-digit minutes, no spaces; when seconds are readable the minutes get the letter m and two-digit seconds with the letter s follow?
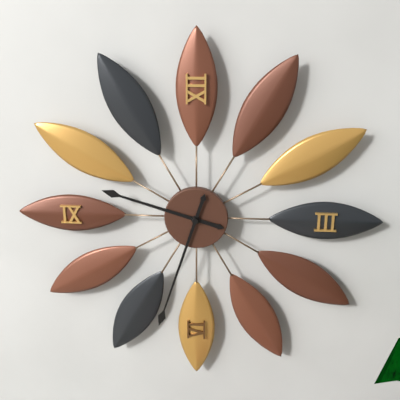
9h33
